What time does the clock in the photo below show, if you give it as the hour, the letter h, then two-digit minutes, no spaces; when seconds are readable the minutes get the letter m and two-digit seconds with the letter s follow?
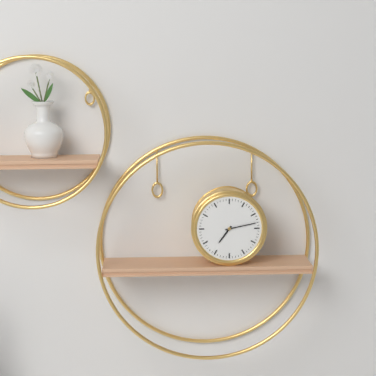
7h13
